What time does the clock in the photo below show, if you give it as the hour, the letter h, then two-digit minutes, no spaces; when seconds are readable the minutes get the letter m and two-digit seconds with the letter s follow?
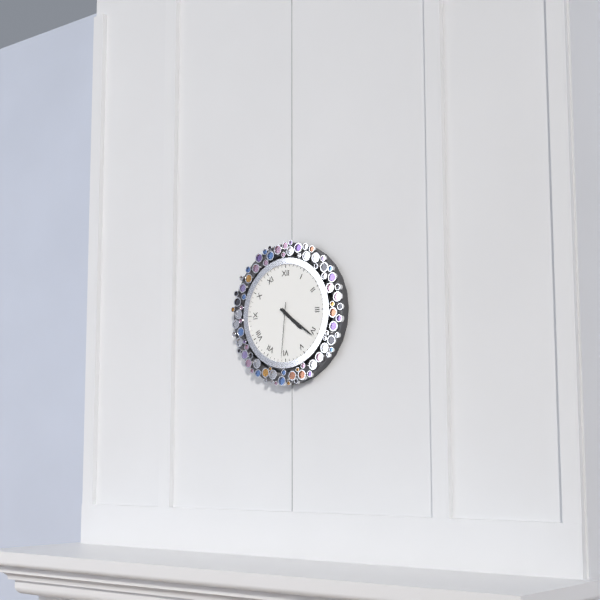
4h21m31s
